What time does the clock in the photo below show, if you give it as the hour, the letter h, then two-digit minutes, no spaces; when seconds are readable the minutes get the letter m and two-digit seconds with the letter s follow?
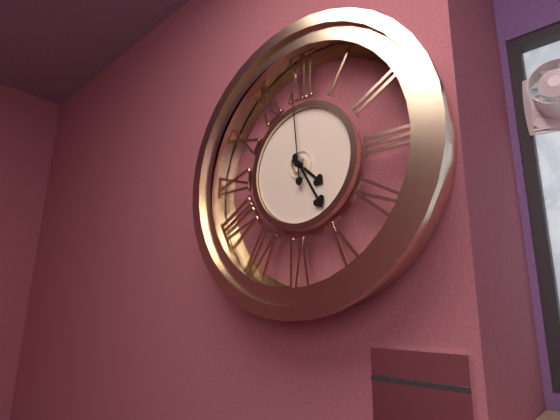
4h25m59s
